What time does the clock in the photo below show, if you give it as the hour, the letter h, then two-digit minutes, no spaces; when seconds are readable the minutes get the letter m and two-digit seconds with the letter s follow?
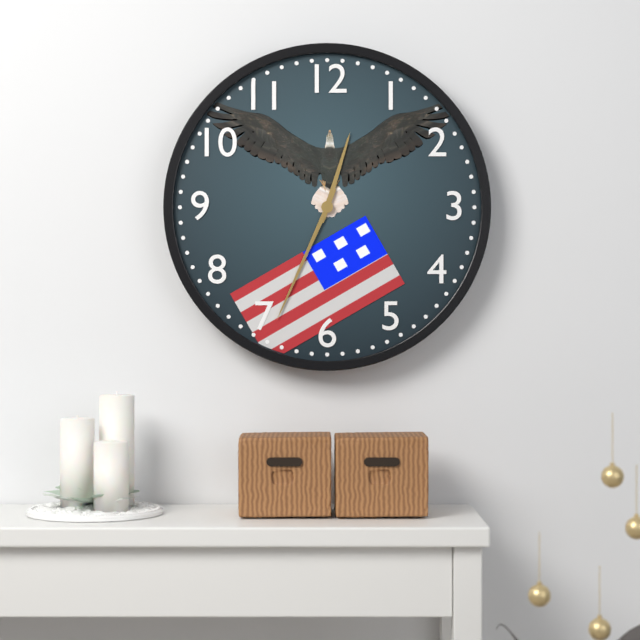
12h34
